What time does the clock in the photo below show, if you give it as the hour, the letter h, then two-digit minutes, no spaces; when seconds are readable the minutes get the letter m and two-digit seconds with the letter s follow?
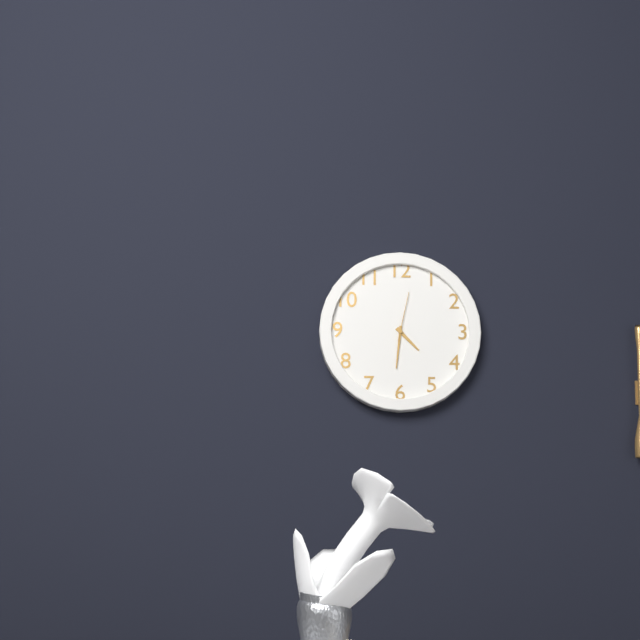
4h31m02s
